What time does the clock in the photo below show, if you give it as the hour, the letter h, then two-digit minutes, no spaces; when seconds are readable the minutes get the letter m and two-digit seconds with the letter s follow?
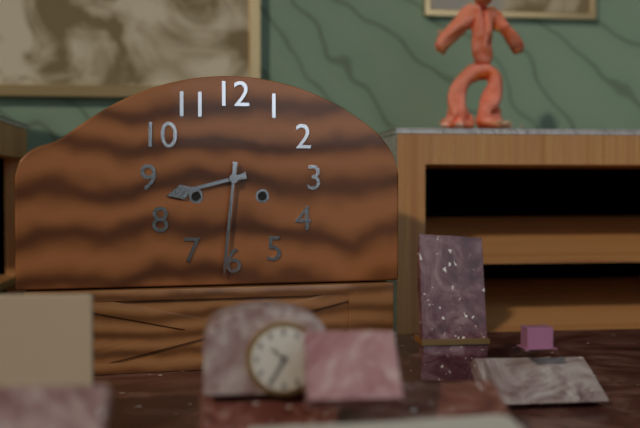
8h31
